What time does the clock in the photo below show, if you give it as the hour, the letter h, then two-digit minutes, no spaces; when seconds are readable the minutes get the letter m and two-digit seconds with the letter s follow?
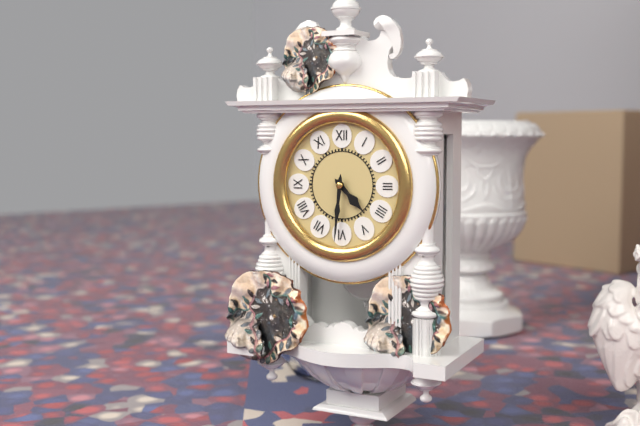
4h31
